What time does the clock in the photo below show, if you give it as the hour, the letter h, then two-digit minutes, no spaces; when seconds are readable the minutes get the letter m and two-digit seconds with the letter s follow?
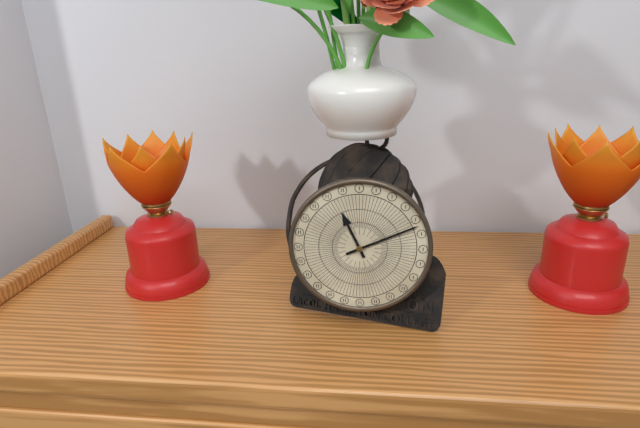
11h11
